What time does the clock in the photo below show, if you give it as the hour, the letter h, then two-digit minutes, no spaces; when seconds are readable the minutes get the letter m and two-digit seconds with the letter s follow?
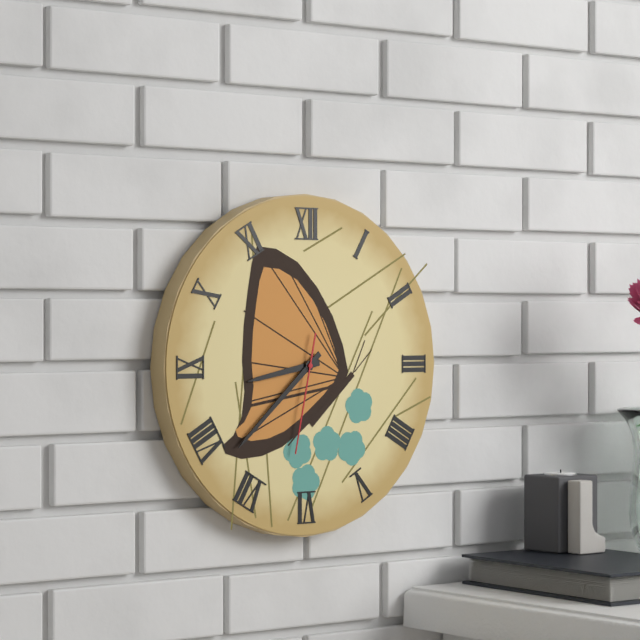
8h38m32s
